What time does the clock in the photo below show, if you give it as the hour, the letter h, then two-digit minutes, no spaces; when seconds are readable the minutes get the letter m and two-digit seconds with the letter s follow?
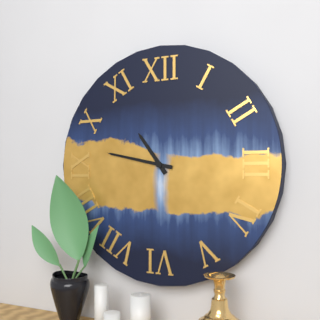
10h47
